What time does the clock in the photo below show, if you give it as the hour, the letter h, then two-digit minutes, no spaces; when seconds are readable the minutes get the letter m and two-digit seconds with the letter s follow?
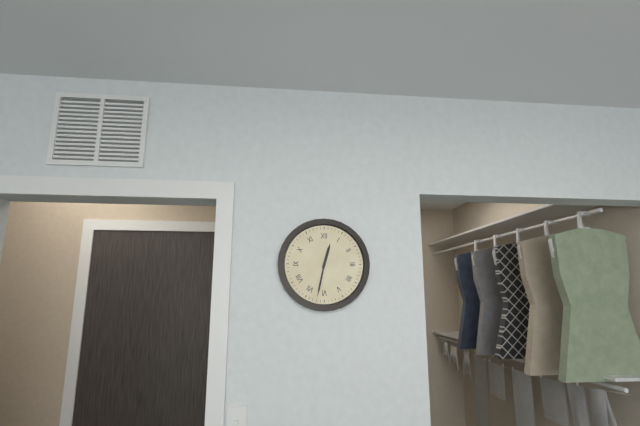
12h32
